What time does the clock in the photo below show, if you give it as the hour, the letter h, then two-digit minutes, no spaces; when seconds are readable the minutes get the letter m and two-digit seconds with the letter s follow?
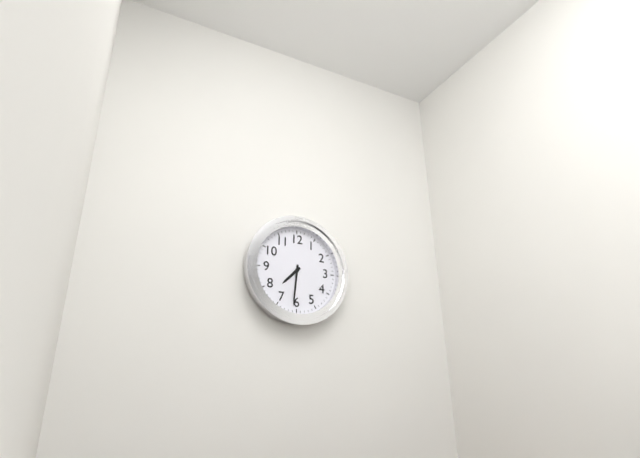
7h31
